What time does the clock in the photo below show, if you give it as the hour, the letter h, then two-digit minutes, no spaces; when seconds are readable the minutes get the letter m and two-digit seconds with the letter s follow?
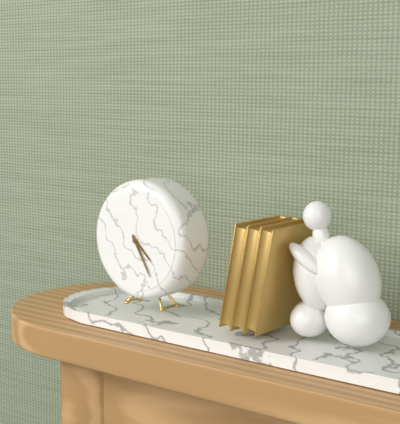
4h25
